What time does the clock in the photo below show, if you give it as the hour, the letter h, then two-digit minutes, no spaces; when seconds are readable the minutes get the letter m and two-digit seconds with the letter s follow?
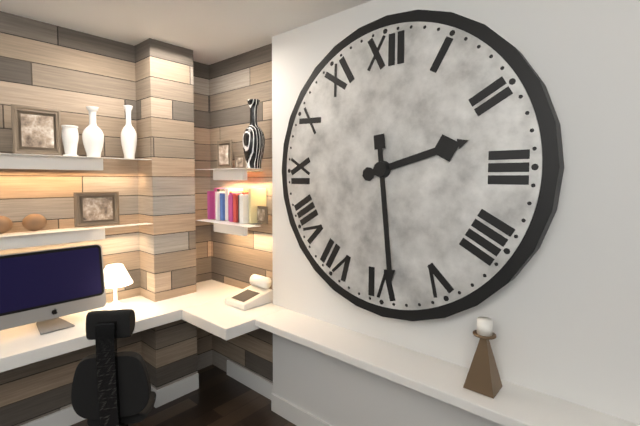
2h29
